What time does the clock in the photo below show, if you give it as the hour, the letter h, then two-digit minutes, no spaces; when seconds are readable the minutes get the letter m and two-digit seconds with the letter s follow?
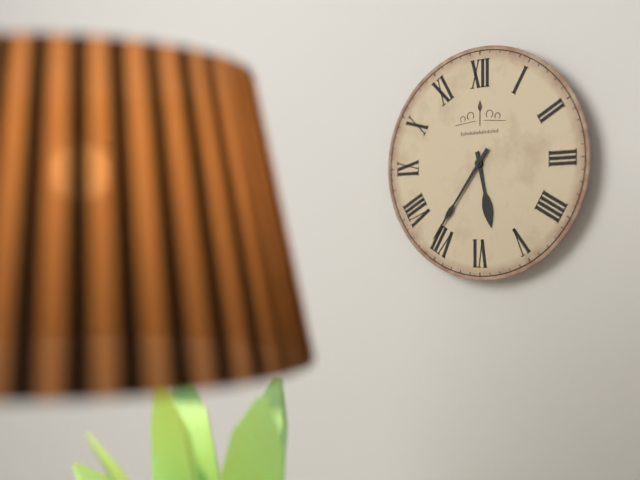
5h36
